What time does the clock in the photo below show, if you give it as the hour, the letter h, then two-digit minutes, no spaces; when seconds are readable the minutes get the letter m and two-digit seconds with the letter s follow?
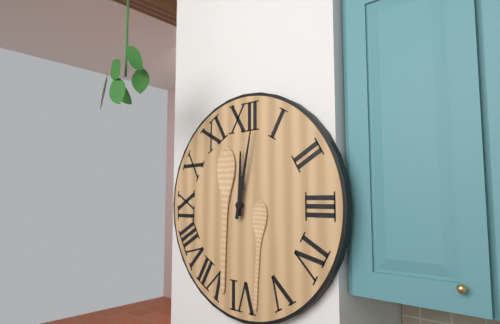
12h02
